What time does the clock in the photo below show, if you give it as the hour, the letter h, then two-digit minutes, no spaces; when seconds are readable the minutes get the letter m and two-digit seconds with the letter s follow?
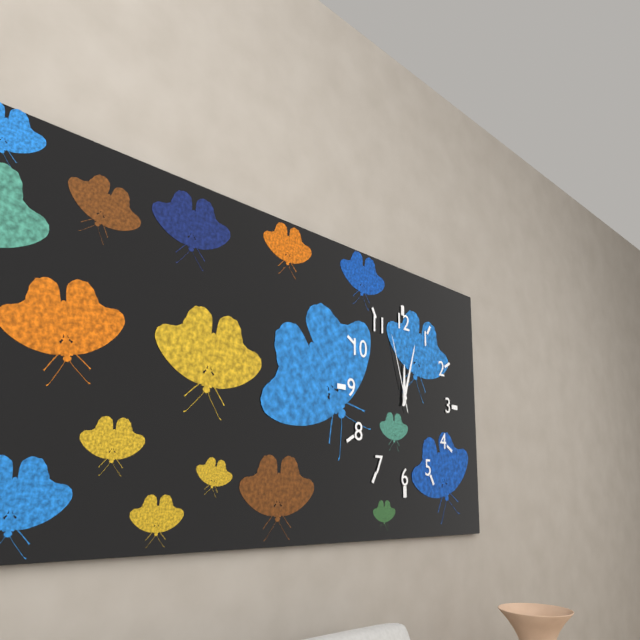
12h03m57s
